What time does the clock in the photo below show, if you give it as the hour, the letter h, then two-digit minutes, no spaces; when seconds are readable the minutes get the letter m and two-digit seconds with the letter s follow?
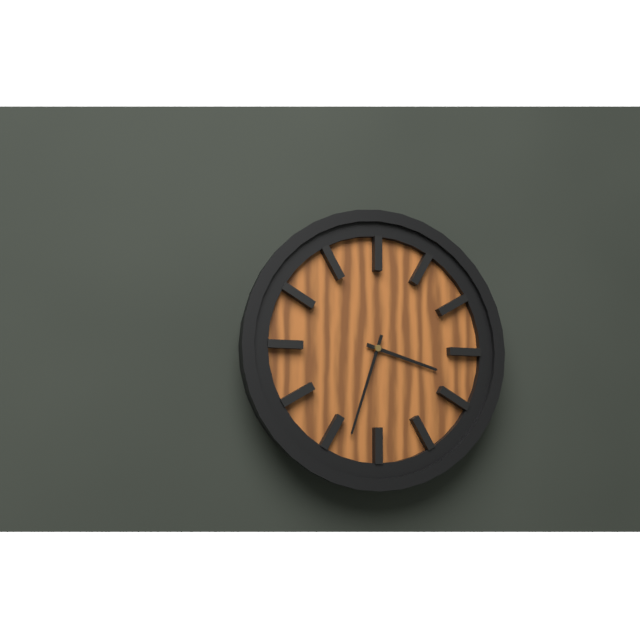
3h33
